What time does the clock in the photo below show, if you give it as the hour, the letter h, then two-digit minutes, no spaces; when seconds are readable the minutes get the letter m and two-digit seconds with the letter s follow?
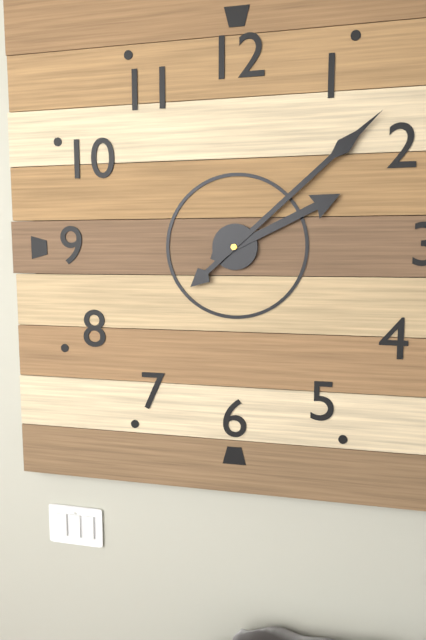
2h08
